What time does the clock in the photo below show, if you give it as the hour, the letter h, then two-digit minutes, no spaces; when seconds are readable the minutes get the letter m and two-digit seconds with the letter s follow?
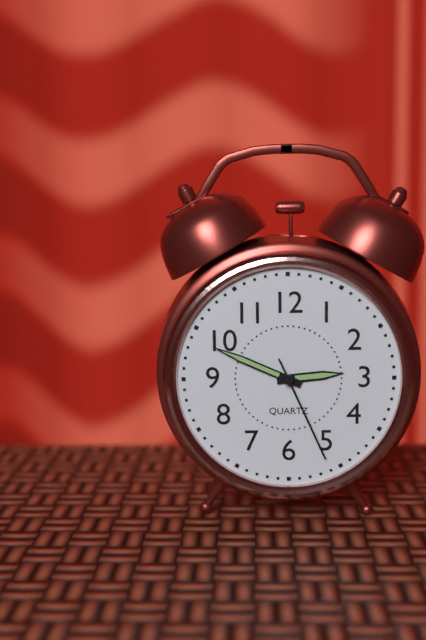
2h49m26s
